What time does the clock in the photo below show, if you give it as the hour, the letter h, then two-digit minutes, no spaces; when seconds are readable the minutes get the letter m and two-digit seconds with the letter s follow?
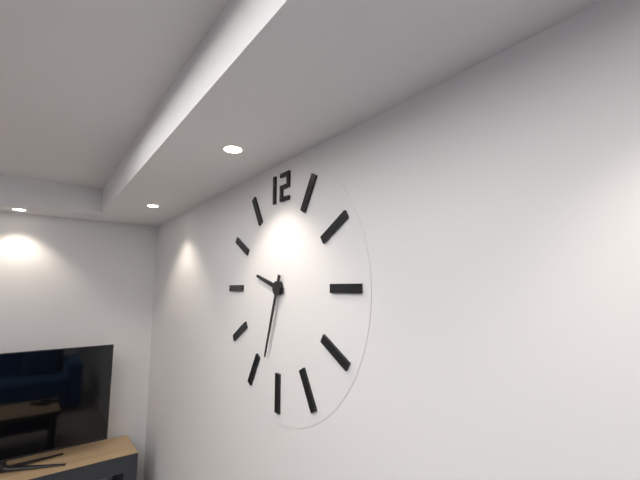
9h33
